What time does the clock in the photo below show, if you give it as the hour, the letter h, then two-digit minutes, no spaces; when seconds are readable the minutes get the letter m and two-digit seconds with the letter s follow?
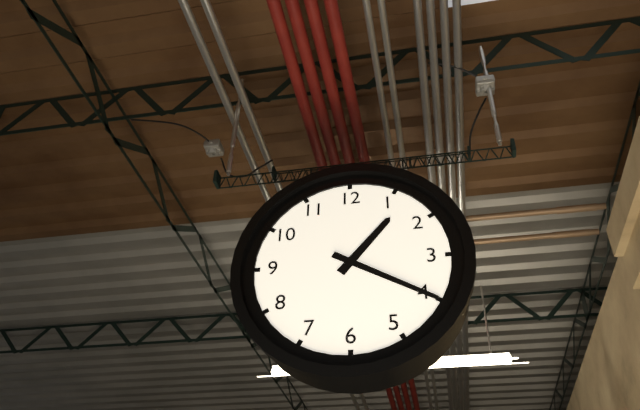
1h20
